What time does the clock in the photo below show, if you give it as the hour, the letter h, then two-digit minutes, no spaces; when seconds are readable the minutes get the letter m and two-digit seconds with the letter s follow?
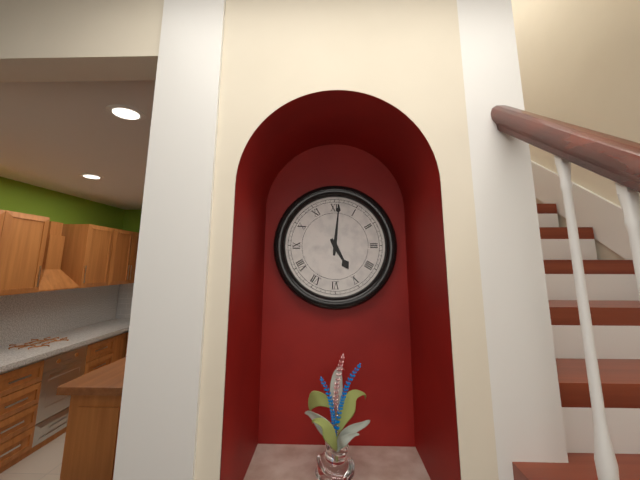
5h01
